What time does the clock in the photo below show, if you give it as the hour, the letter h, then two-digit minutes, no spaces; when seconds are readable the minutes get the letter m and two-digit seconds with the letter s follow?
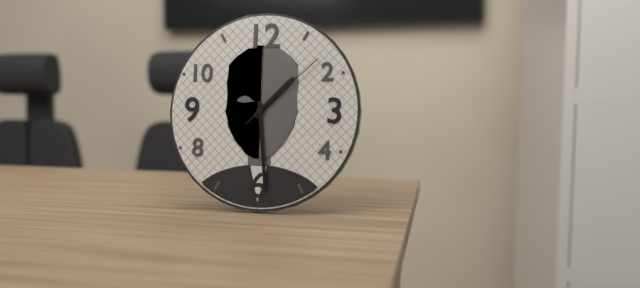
1h29m08s
